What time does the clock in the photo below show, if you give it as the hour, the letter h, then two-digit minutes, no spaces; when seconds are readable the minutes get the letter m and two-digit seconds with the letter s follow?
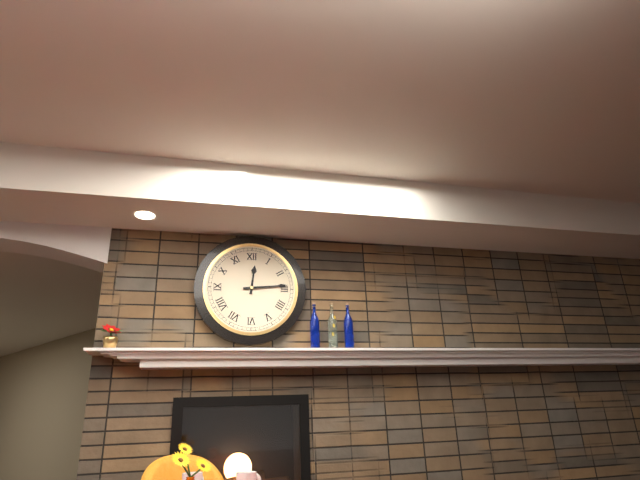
12h14
